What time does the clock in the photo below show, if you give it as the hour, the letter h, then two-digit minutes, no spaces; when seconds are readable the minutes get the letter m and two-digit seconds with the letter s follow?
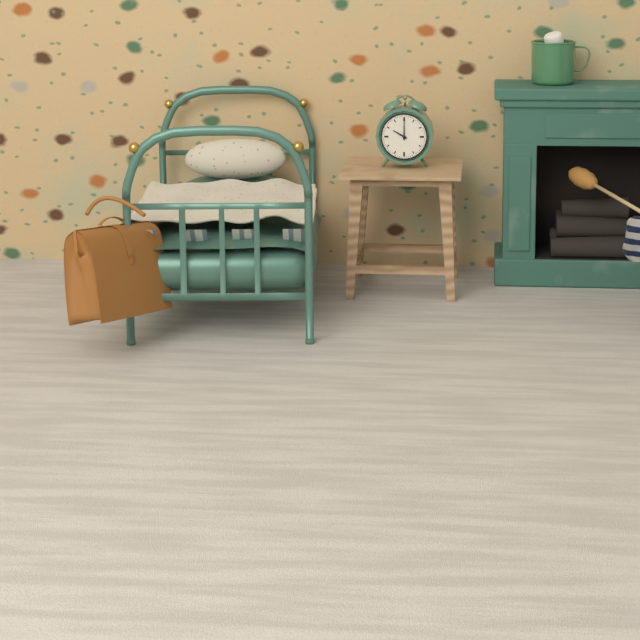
10h00
